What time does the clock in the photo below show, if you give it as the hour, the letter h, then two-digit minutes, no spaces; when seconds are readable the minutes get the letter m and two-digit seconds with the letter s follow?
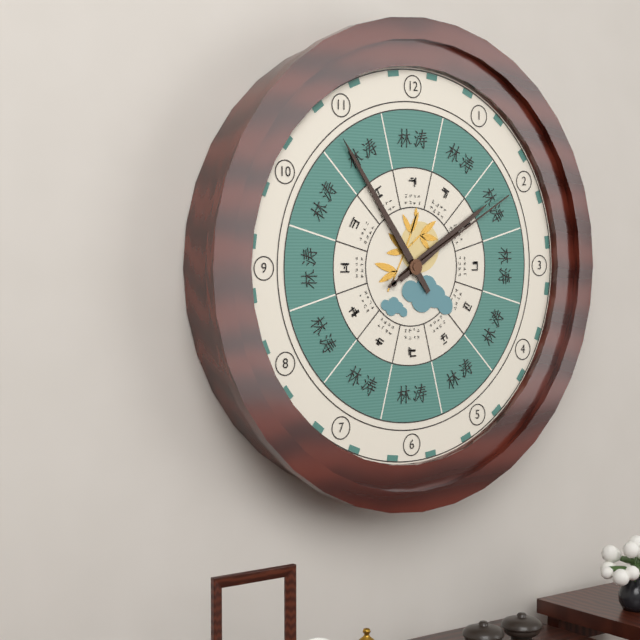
1h54m10s
